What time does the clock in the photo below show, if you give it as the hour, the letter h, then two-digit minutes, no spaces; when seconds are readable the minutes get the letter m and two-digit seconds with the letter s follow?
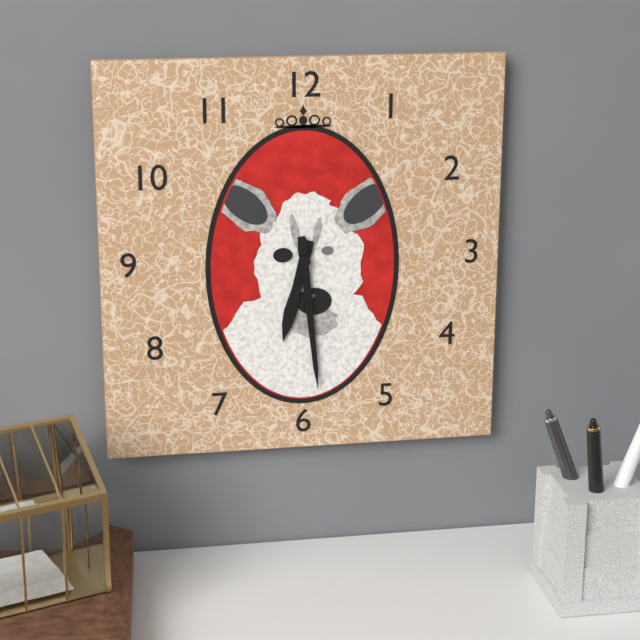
6h29
